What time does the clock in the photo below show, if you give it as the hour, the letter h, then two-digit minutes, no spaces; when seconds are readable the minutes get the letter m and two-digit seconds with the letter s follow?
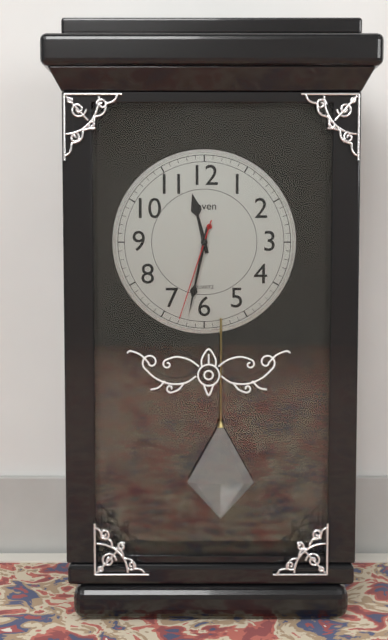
11h32m33s
